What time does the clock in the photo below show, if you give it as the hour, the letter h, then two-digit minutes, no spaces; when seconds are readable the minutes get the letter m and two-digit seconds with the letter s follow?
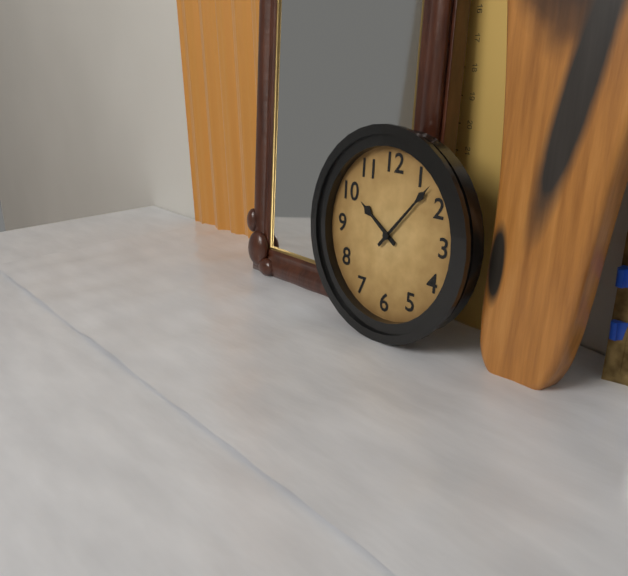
10h07
